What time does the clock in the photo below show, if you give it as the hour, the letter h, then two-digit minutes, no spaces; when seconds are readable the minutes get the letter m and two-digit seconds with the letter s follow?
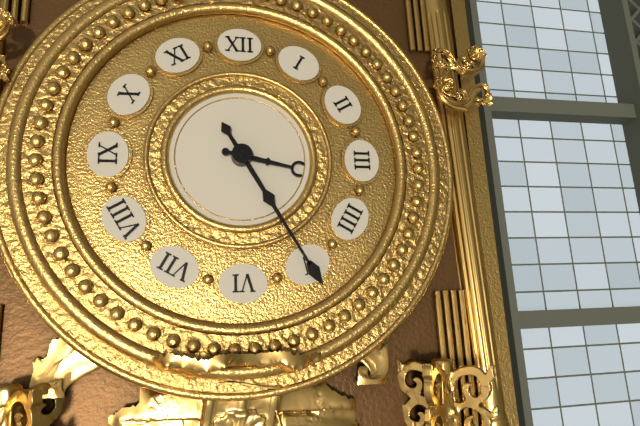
3h25
